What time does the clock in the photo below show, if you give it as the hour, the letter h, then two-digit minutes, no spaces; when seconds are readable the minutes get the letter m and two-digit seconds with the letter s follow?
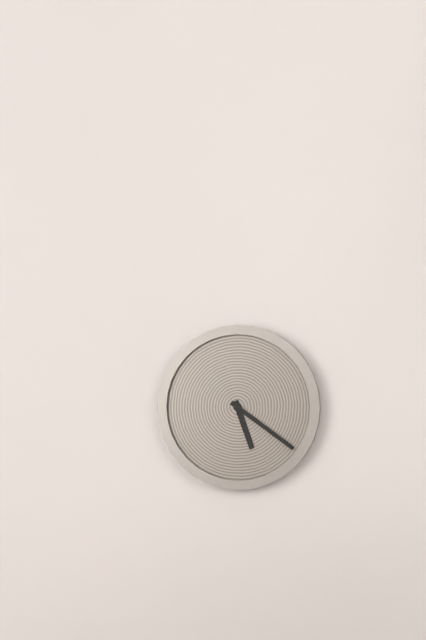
5h21
